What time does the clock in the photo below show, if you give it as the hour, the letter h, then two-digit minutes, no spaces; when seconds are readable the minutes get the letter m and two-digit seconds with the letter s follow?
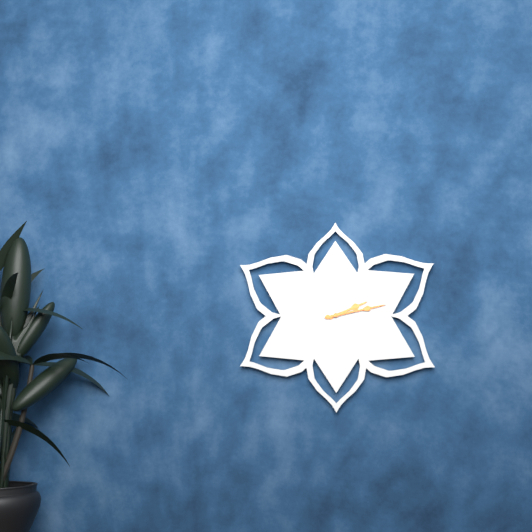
2h13
